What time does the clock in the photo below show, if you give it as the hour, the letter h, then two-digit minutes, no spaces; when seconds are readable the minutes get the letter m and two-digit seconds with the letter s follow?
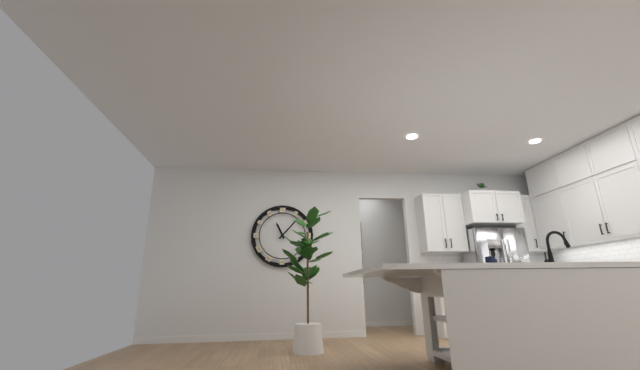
11h07
